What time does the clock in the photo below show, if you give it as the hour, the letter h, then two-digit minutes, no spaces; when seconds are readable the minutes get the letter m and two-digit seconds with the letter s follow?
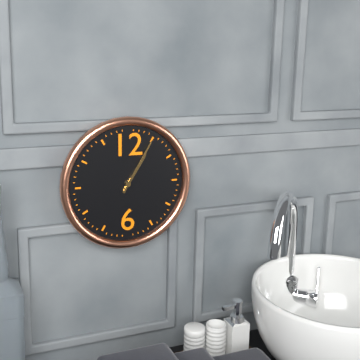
1h05
